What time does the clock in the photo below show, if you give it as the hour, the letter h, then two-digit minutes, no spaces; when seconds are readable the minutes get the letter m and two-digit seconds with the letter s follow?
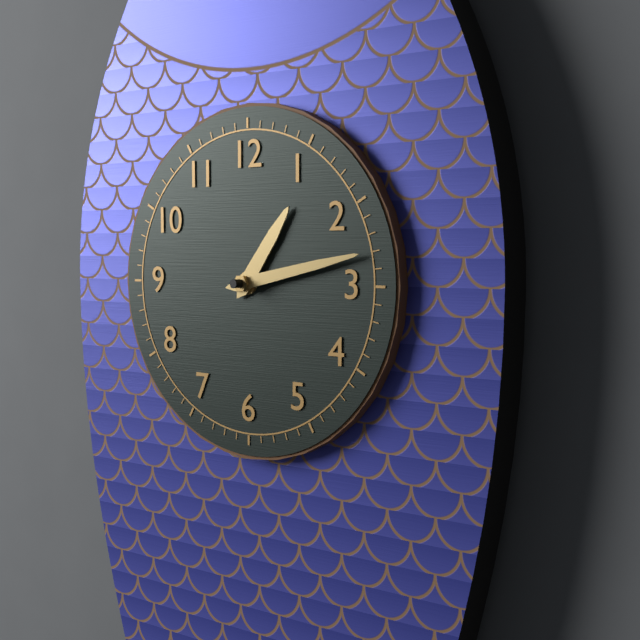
1h13
